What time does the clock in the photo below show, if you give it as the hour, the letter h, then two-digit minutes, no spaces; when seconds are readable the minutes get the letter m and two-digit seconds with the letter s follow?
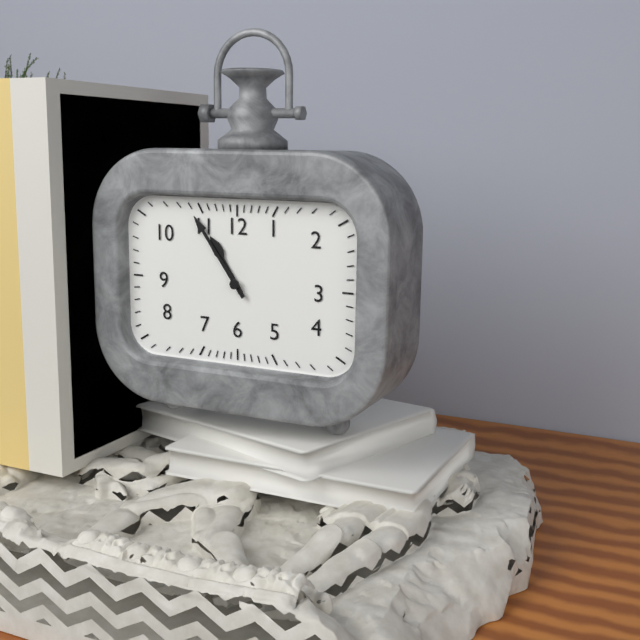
10h54
